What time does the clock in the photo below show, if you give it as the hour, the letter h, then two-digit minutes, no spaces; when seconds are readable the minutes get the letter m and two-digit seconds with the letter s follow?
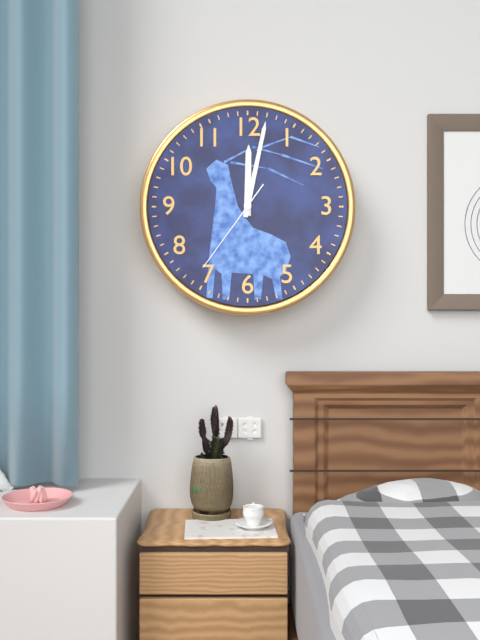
12h02m36s
